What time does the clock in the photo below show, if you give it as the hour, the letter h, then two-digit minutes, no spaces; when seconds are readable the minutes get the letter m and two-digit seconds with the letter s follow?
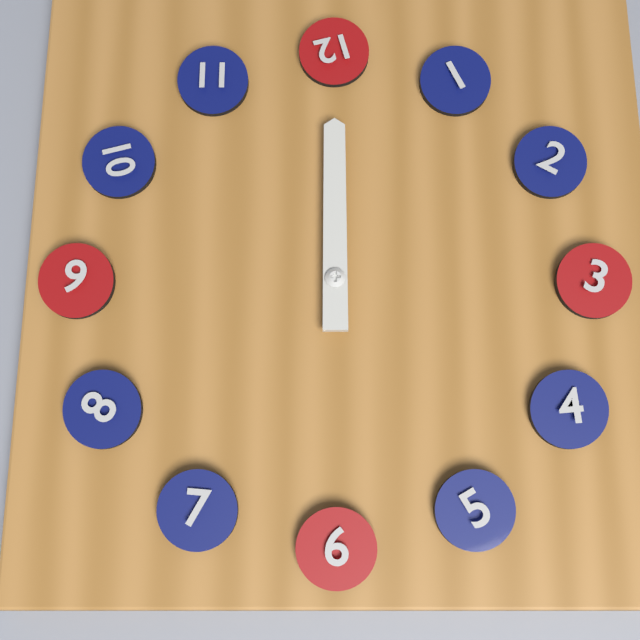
12h00
